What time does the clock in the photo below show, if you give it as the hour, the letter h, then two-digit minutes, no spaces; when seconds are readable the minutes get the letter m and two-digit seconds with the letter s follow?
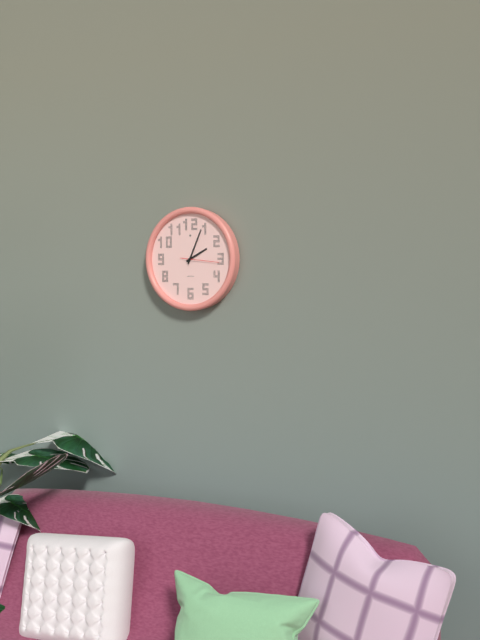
2h04
